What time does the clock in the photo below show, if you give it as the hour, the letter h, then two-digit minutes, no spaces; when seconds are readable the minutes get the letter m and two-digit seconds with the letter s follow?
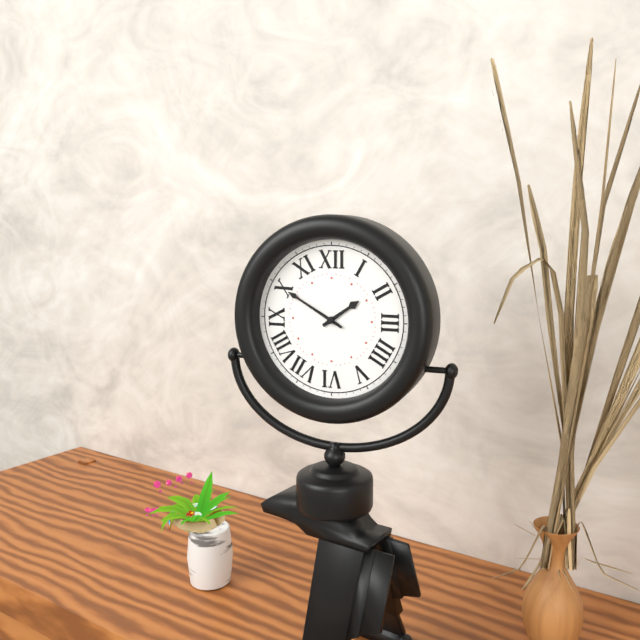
1h50
